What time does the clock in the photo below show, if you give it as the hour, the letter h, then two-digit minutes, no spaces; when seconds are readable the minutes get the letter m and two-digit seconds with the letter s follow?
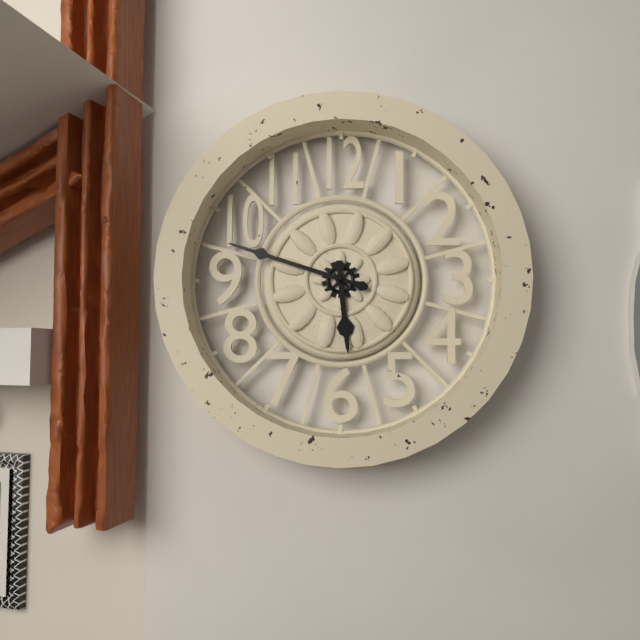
5h48
